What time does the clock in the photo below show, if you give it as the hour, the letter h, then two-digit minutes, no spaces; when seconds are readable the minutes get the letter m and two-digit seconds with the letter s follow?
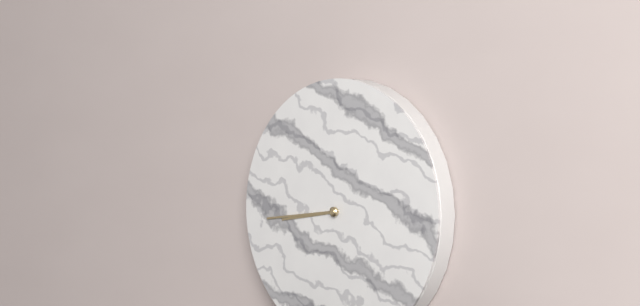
8h44
